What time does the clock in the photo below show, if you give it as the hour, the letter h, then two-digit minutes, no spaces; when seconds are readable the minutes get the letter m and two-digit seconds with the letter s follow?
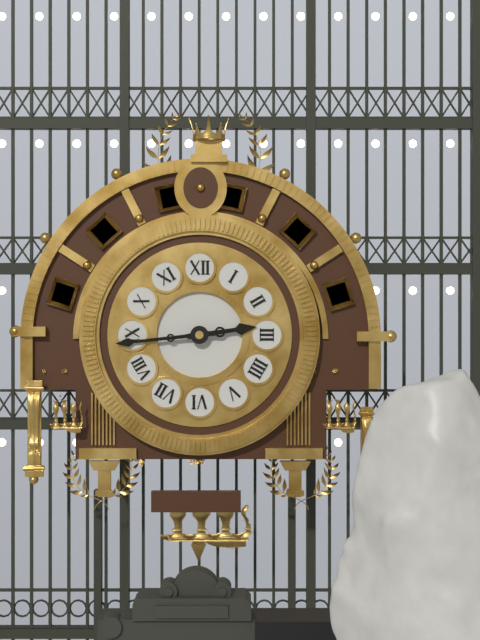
2h44
